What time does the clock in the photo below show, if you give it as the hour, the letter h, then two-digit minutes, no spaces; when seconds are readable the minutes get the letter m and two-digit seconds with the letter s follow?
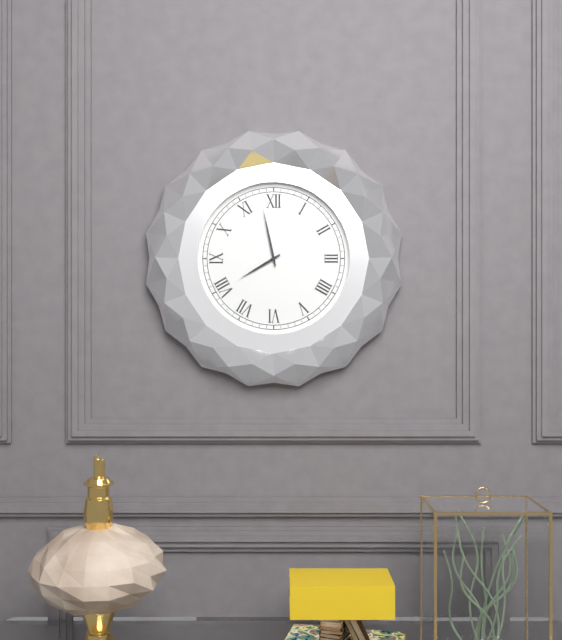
7h58
